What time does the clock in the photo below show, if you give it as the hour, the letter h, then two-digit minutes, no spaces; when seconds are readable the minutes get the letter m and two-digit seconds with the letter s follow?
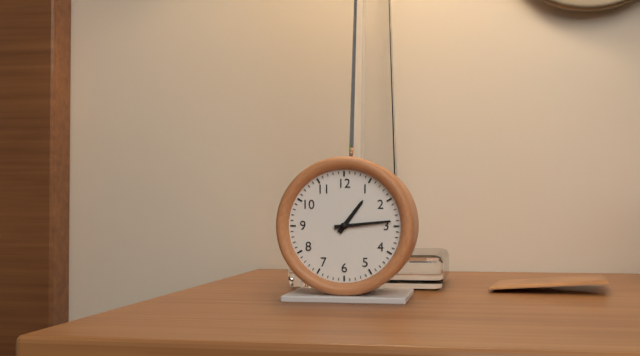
1h14
